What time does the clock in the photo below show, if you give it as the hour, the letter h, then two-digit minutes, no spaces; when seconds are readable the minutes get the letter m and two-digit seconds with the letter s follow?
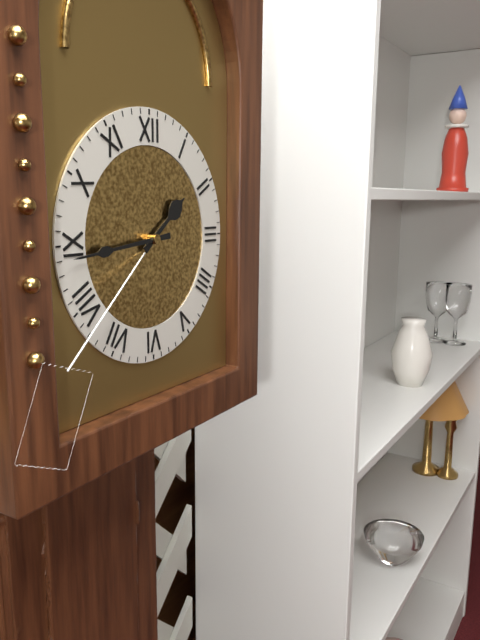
1h44
